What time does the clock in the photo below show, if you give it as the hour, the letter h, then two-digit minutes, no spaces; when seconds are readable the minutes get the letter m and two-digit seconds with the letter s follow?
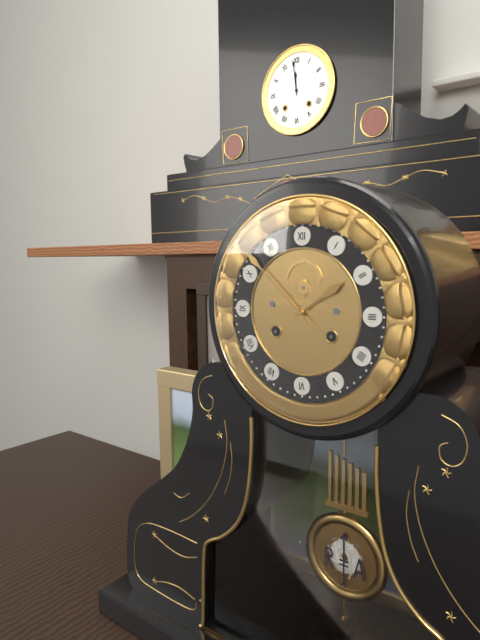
1h52
